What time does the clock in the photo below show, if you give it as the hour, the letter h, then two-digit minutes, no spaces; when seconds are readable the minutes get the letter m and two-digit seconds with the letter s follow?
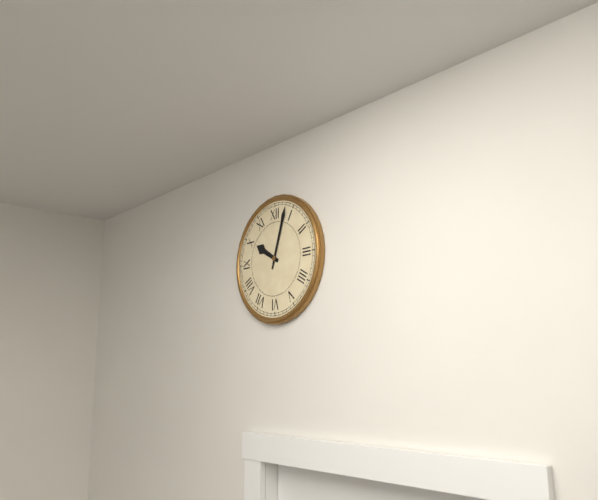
10h03
